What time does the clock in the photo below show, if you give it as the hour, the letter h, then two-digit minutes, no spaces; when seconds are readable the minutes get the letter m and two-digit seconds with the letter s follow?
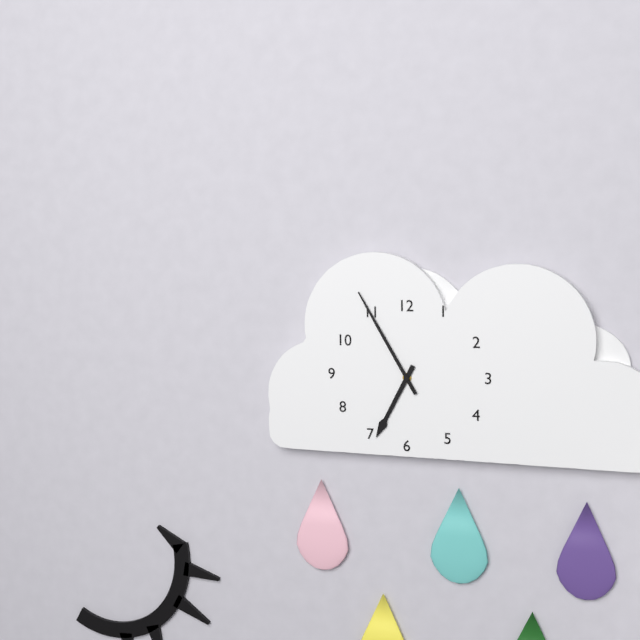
6h55
